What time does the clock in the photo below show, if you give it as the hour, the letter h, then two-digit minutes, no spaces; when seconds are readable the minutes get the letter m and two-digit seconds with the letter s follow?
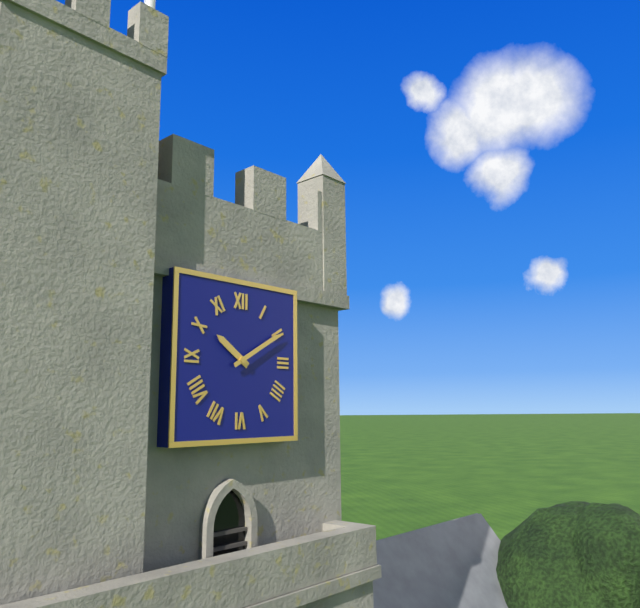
10h10
